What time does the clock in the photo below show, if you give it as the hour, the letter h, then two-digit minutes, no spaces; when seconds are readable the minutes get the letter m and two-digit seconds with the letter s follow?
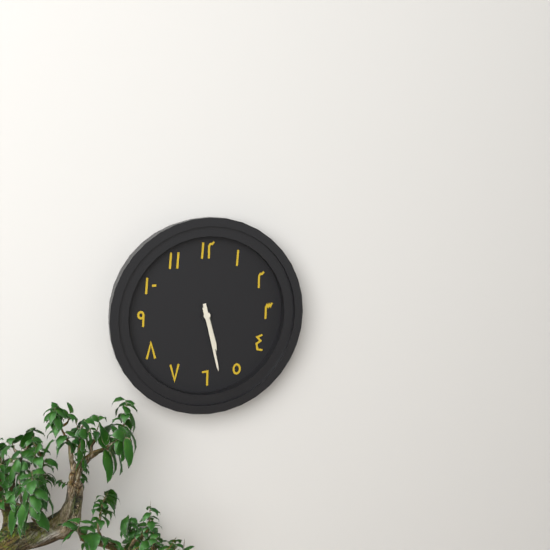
5h28
